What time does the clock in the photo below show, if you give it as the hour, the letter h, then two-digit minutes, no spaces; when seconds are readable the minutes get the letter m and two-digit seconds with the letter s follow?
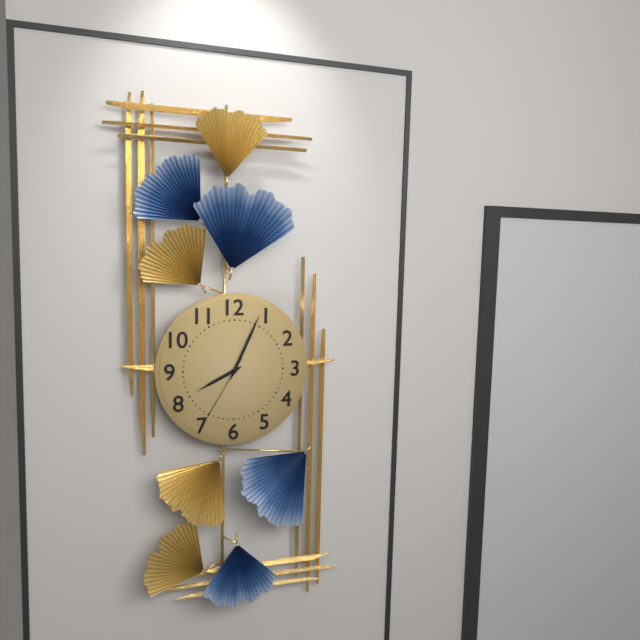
8h04m35s
